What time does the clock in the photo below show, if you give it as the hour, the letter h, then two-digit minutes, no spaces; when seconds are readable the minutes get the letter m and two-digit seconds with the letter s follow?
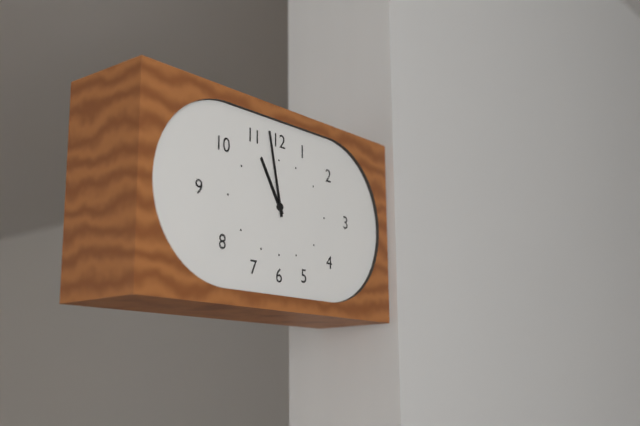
10h58
